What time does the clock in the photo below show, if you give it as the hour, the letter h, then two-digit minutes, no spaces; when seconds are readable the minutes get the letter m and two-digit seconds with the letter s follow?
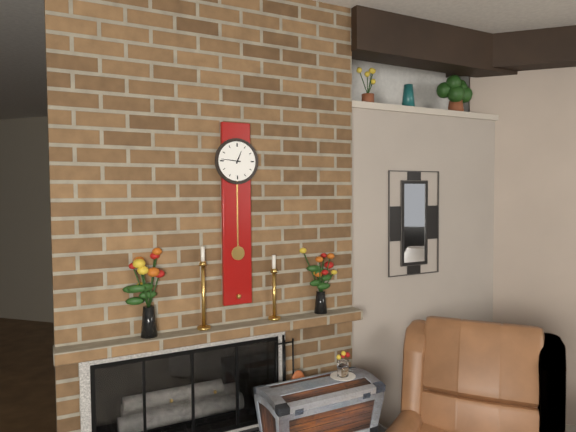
12h46
